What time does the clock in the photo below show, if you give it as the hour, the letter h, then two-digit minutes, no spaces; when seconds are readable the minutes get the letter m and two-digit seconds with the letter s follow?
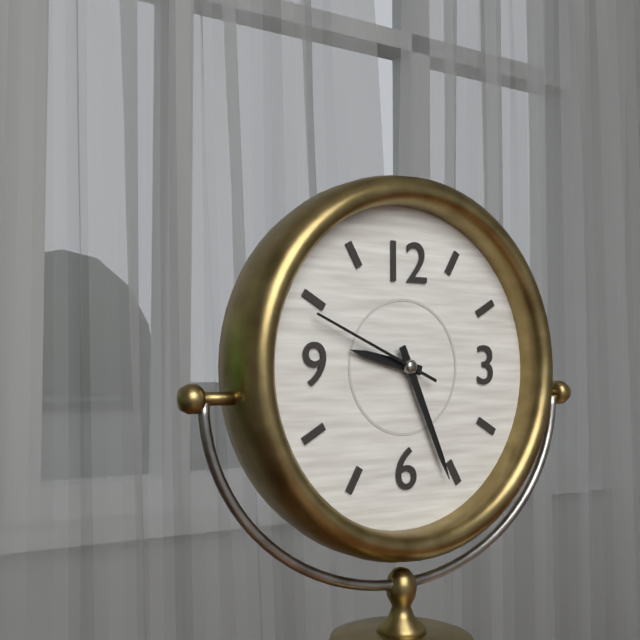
9h26m49s
